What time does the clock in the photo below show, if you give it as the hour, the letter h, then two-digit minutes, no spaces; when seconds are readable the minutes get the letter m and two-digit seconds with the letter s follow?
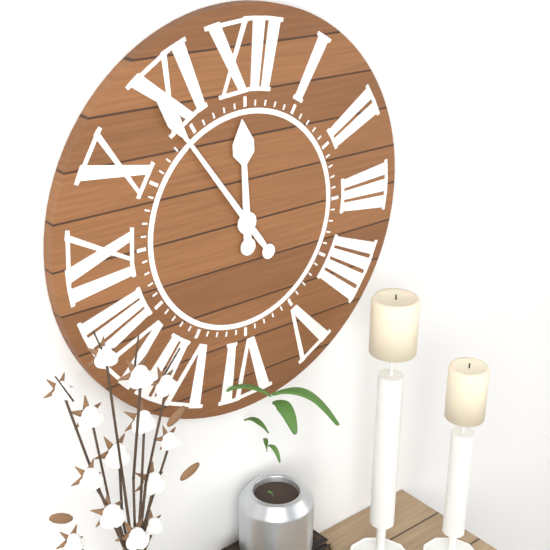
11h54
